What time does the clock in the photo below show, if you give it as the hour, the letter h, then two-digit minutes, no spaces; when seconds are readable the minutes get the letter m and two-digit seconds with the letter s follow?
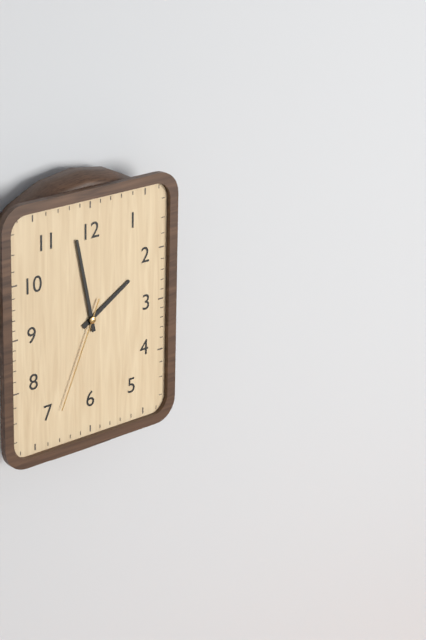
1h58m34s
